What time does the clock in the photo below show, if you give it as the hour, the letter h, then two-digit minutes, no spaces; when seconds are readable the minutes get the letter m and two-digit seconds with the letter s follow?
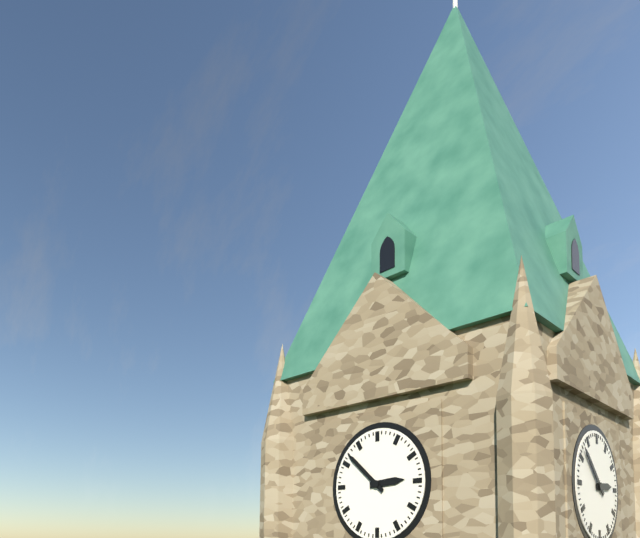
2h52
